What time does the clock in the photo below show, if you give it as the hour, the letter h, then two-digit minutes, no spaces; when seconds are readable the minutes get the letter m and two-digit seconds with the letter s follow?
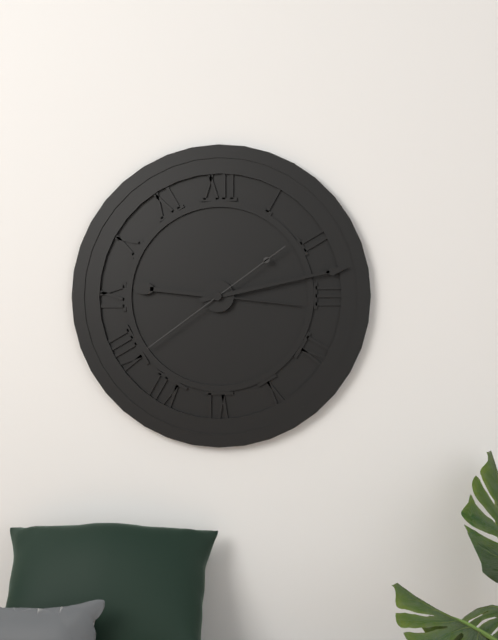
9h13m39s
